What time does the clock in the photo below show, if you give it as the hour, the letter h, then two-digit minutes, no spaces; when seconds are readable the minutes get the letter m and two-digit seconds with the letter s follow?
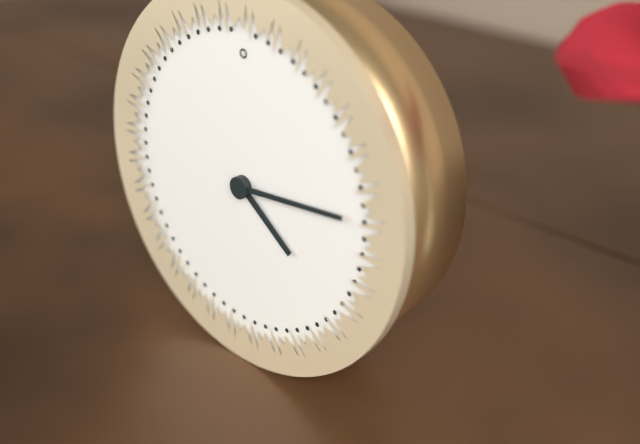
4h14
